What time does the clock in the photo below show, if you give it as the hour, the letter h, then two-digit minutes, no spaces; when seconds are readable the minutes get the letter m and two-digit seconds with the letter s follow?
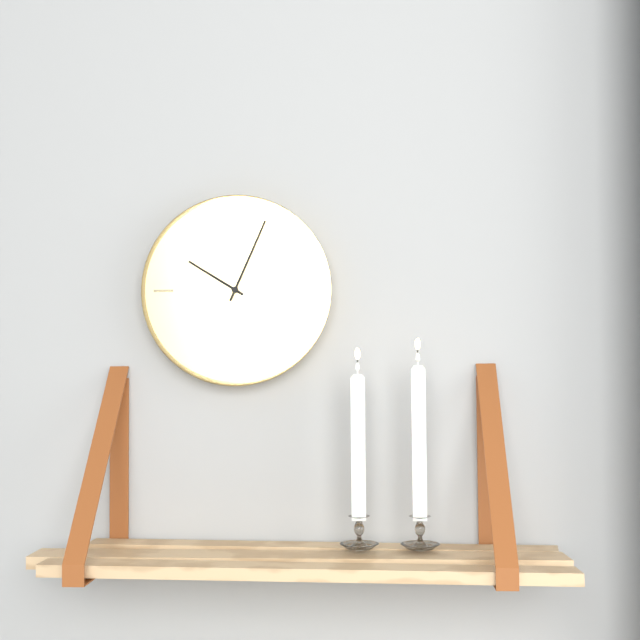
10h04
